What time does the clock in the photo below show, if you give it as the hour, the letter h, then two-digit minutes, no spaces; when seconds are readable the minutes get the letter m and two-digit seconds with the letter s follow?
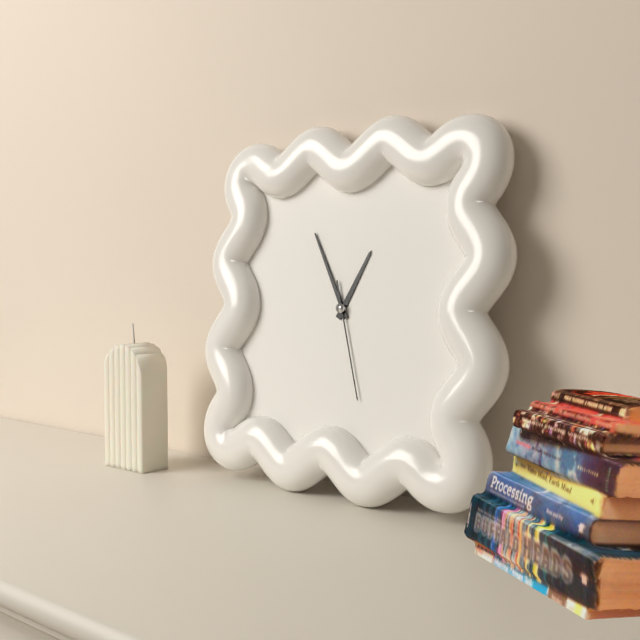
12h55m27s
